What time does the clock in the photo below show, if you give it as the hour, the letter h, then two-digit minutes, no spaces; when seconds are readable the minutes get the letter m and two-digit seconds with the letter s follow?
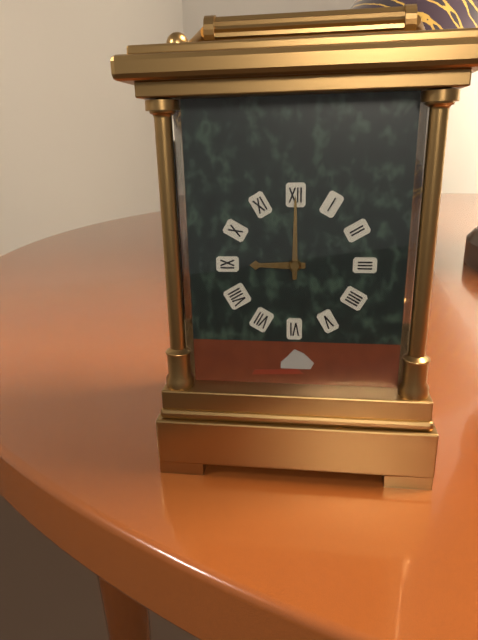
9h00
